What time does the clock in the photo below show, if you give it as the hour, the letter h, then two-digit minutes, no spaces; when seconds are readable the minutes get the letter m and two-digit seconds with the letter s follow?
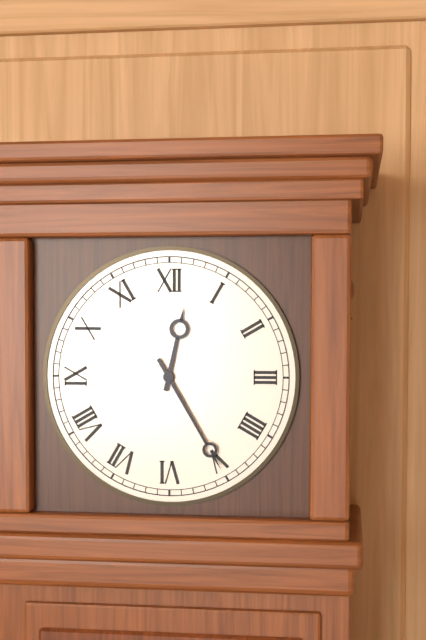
12h25
